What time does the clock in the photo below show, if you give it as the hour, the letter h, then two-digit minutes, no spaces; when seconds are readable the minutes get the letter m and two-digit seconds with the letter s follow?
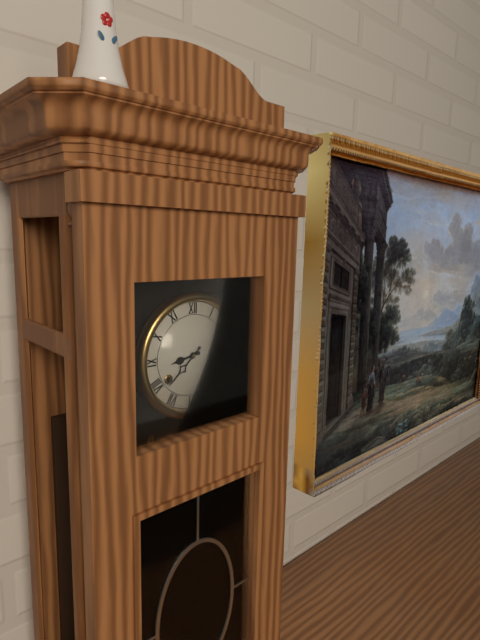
8h38
